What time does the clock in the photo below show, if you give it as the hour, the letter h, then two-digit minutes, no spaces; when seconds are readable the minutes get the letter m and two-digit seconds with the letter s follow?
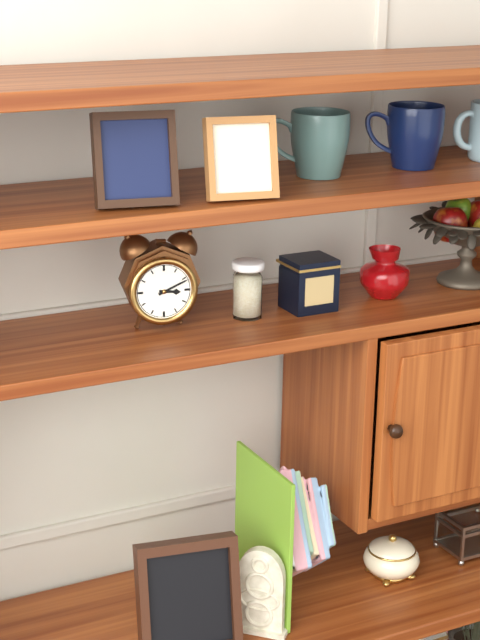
3h11
